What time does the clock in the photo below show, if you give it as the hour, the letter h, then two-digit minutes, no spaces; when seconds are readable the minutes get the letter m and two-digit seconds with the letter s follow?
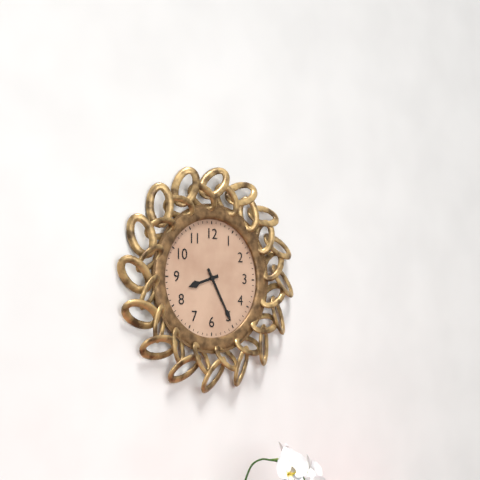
8h25
